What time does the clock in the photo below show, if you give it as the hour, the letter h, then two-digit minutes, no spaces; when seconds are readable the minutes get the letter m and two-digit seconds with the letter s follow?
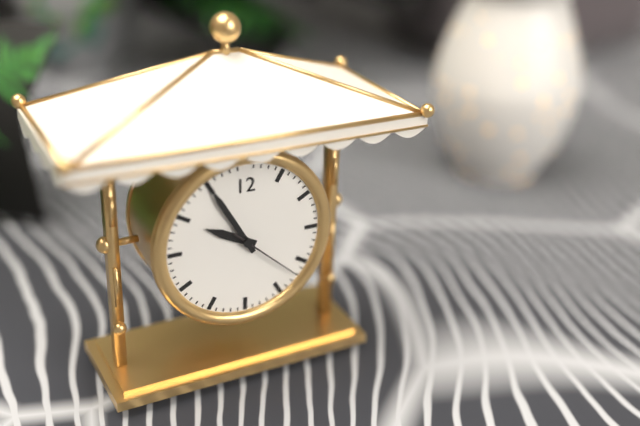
9h55m22s
